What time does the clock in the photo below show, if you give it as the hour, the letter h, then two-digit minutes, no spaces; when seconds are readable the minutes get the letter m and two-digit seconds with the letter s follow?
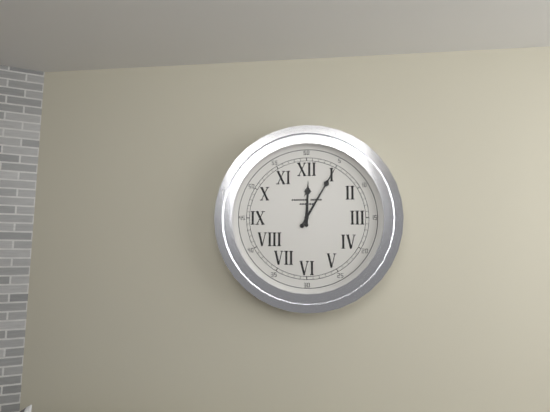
12h05
